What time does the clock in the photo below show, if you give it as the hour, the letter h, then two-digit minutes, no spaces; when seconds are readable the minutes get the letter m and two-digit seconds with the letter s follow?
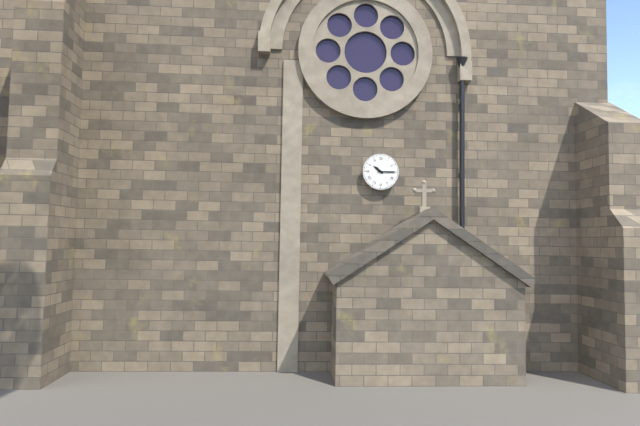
10h15
